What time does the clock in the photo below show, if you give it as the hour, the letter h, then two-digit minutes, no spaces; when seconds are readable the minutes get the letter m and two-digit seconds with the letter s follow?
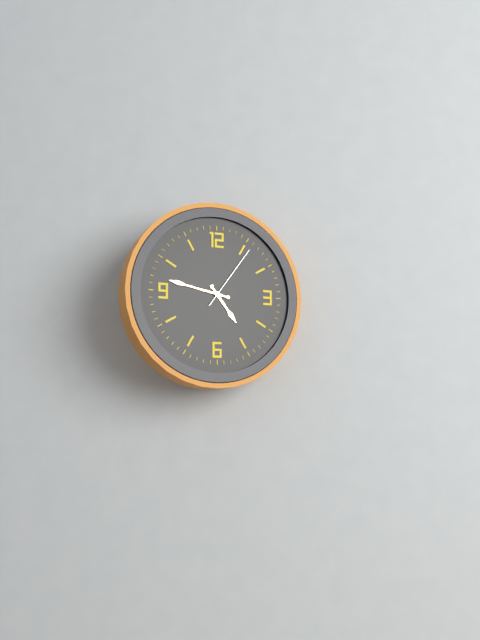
4h47m06s
